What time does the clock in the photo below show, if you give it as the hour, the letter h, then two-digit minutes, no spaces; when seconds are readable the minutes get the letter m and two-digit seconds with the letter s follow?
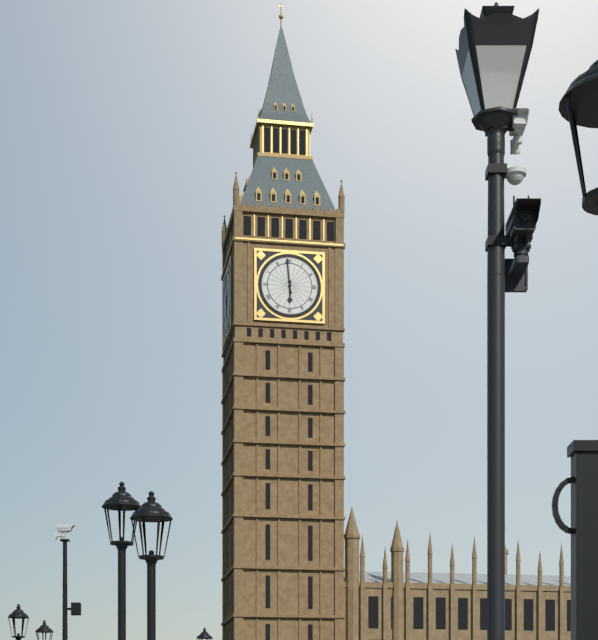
5h59
